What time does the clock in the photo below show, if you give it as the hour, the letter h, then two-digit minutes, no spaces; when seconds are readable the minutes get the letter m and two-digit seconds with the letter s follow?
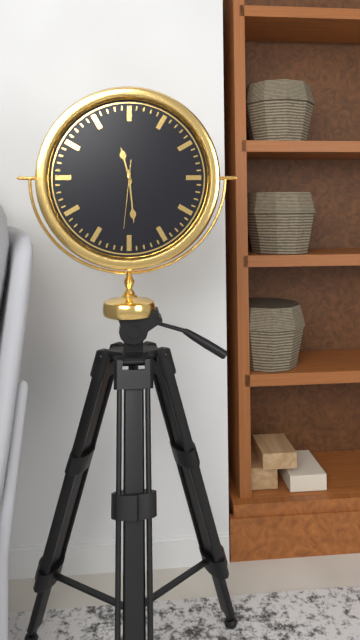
11h29m31s
